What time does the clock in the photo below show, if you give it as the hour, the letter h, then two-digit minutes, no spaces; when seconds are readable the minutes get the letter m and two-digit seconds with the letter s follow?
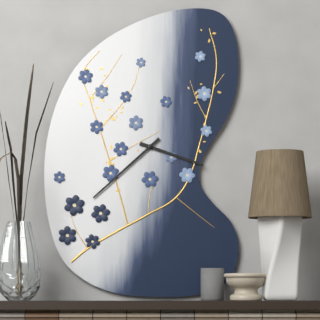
3h38
